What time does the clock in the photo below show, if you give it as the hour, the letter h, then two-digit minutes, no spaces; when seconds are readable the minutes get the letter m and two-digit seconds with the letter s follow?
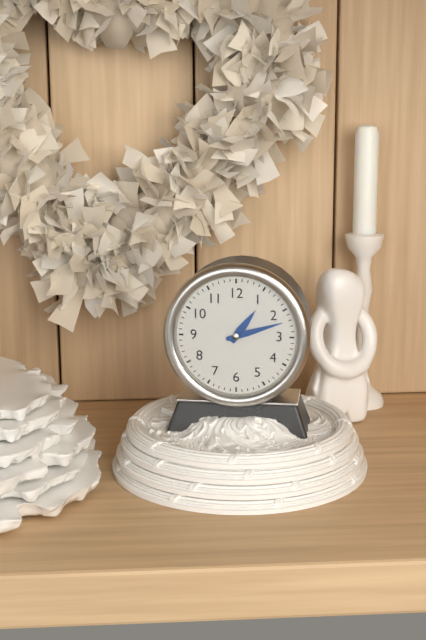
1h12
